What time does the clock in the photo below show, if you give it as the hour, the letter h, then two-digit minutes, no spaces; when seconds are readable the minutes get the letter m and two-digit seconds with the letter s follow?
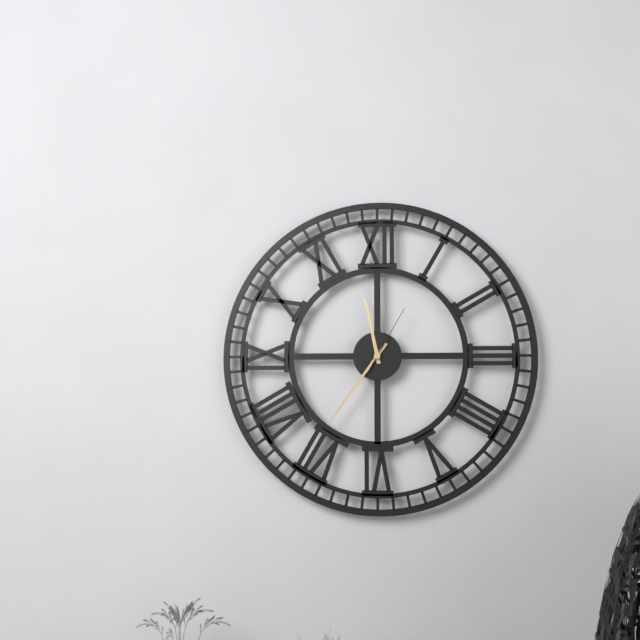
11h36m05s
